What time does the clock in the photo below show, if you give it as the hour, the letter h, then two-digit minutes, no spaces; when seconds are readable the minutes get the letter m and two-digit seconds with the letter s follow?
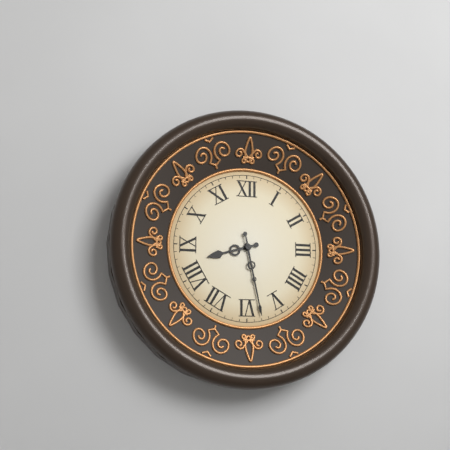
8h28
